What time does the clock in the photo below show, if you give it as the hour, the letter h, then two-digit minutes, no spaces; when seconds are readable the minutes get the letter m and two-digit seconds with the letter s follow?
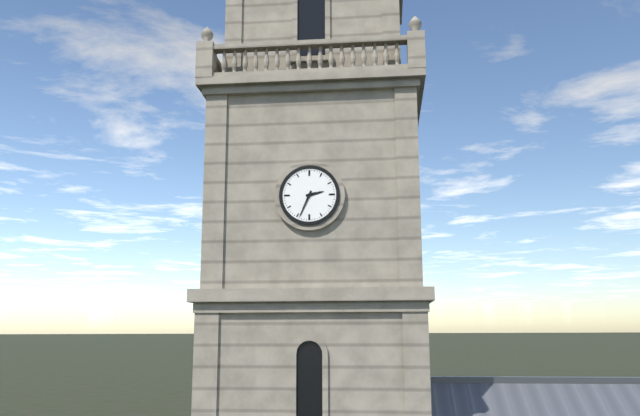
2h34
